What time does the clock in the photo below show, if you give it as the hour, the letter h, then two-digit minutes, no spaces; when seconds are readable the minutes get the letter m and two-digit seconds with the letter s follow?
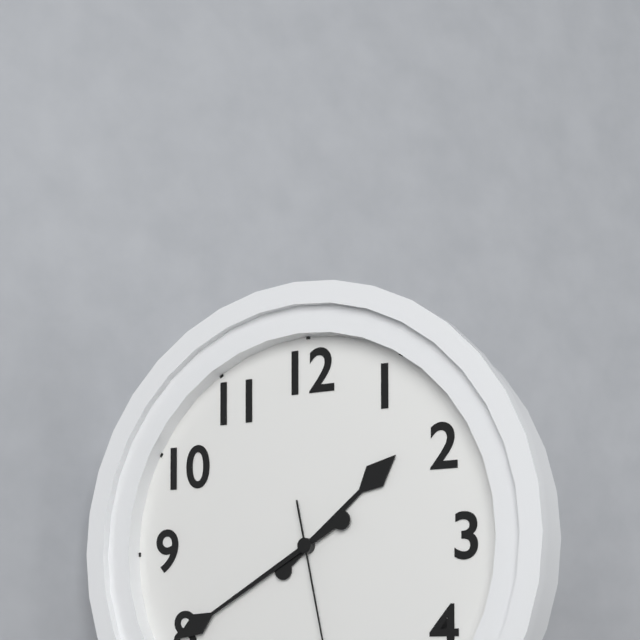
1h40
